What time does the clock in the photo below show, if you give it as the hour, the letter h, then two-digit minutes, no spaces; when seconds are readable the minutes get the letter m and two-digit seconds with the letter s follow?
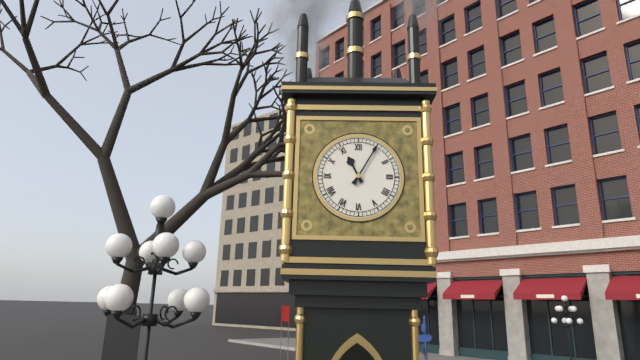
11h05
